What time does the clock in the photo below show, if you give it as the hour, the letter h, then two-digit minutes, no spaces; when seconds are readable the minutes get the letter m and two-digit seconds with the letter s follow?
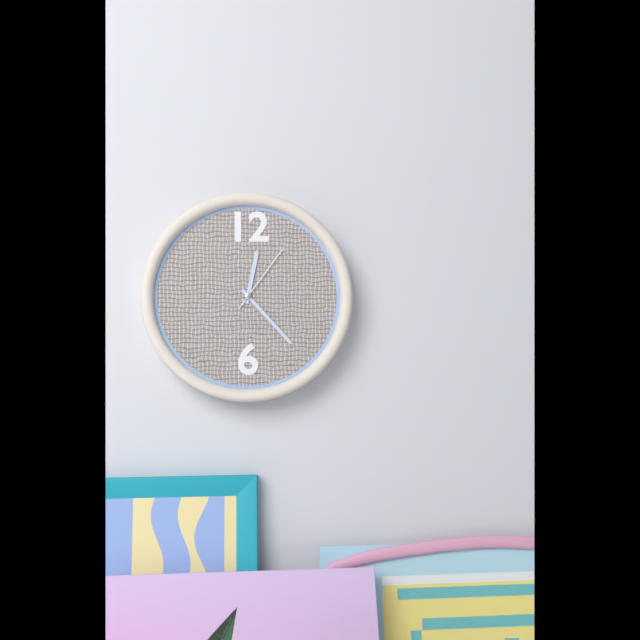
12h23m06s
